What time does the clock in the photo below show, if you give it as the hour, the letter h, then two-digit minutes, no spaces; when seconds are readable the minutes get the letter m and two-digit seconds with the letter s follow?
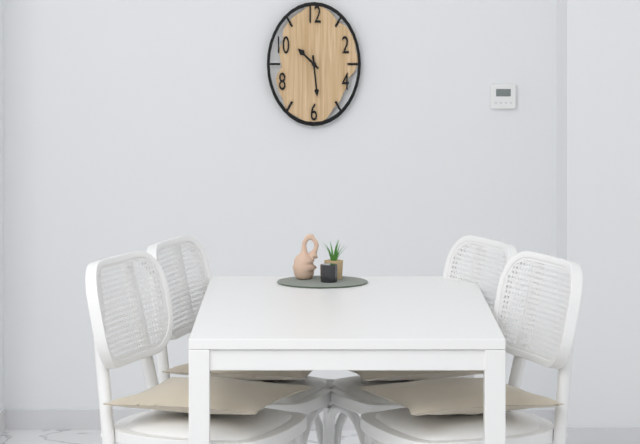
10h29
